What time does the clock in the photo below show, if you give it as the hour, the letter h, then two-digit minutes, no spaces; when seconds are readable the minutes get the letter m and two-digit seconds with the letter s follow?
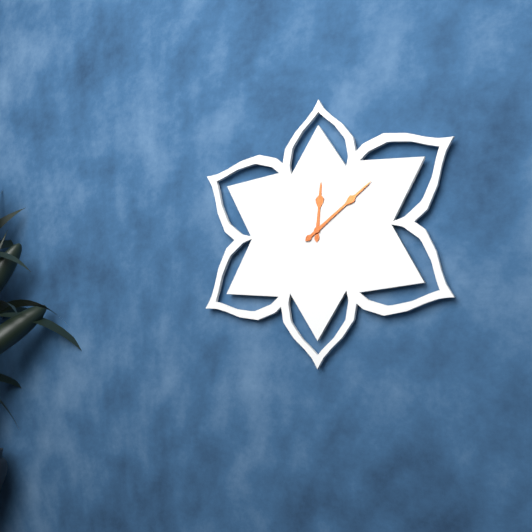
12h09
